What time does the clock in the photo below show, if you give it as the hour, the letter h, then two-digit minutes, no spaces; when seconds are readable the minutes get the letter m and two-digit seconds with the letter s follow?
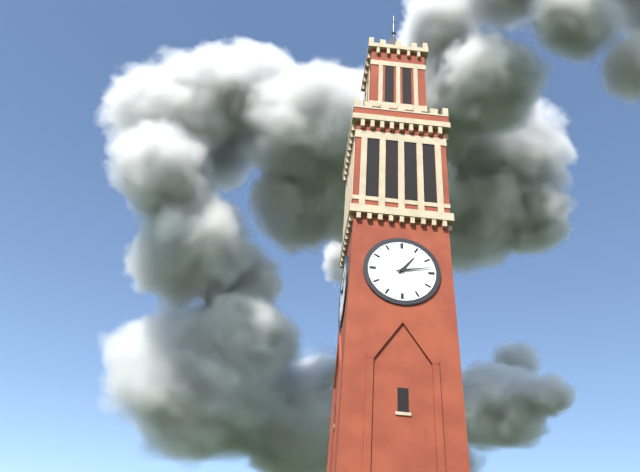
1h13
